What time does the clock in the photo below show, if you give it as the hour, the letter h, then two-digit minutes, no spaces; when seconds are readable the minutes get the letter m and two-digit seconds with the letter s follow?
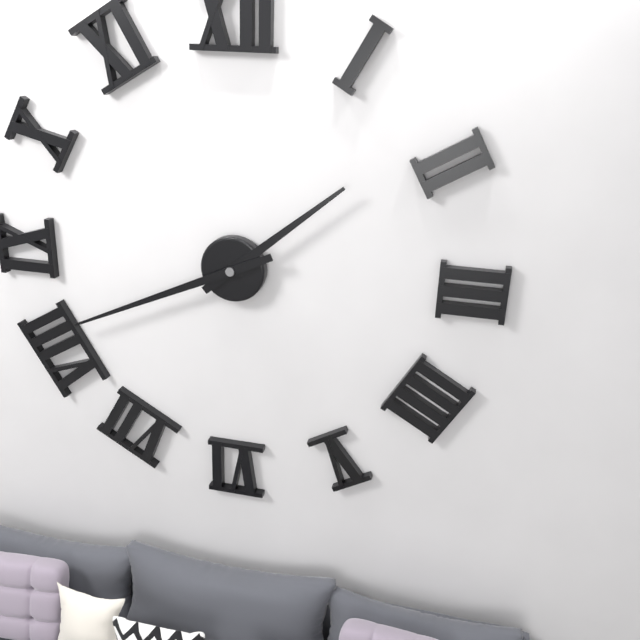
1h41
